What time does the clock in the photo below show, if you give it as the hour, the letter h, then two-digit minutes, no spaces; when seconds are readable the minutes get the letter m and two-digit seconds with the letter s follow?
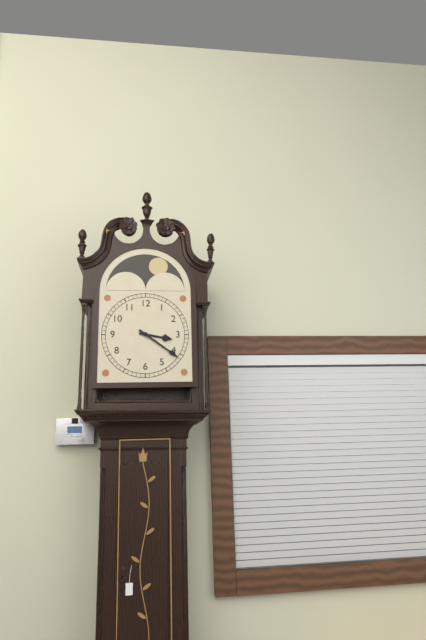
3h21
